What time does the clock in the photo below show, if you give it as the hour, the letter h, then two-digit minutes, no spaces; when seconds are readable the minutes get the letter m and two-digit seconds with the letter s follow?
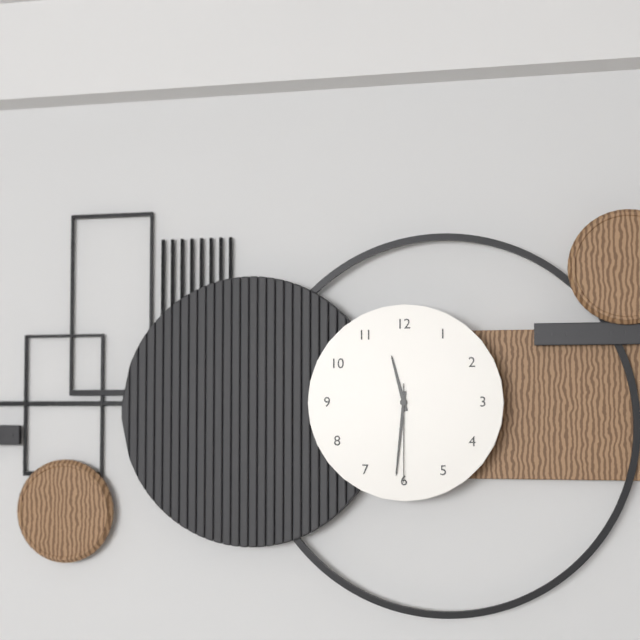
11h31m30s
